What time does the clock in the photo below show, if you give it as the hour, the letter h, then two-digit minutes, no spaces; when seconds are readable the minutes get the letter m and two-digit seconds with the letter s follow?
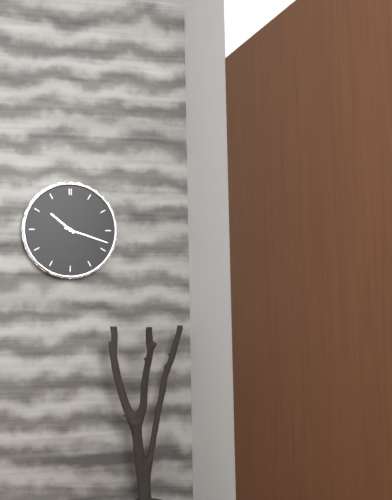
10h18
